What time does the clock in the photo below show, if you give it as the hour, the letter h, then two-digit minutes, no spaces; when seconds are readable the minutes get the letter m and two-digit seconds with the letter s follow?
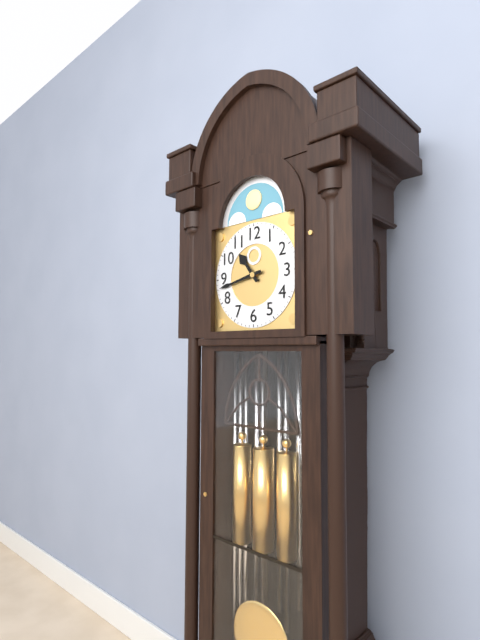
10h43
